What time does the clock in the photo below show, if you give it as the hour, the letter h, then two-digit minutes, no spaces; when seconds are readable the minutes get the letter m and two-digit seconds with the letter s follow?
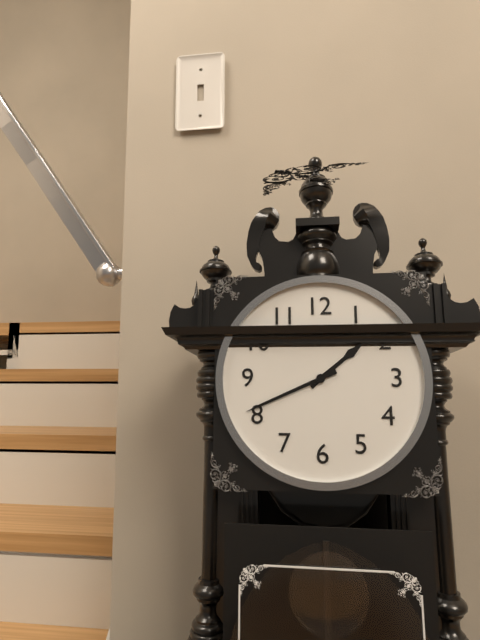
1h41
